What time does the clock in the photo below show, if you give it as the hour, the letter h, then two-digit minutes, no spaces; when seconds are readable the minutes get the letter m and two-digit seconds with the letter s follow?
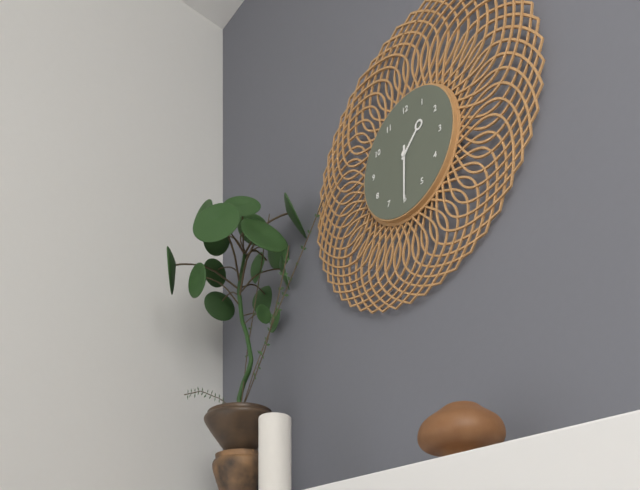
1h30
